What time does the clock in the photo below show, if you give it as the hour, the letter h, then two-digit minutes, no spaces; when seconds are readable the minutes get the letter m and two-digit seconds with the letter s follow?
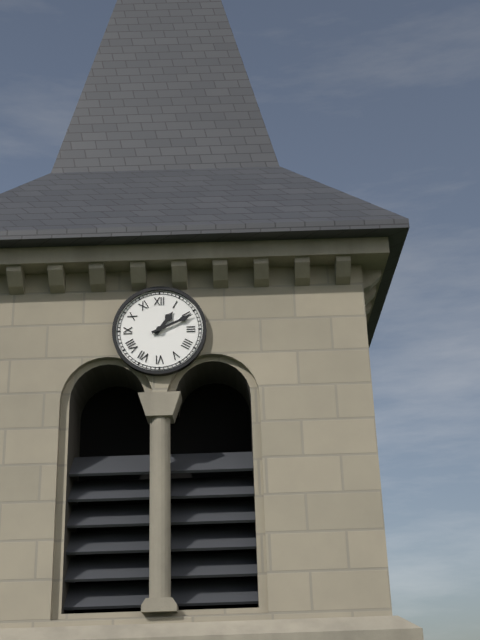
1h11
